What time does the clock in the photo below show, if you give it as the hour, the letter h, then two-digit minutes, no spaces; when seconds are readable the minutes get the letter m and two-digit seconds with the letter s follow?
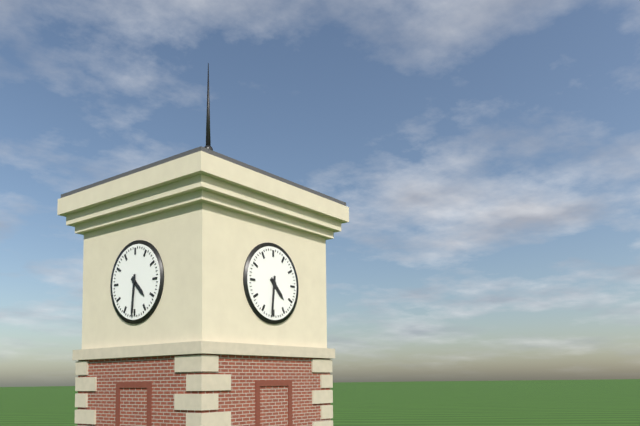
4h31
